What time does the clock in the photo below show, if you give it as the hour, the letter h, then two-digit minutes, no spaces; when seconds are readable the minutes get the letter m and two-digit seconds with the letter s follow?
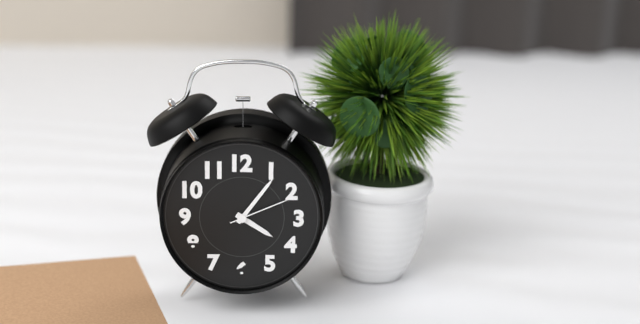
4h06m11s
